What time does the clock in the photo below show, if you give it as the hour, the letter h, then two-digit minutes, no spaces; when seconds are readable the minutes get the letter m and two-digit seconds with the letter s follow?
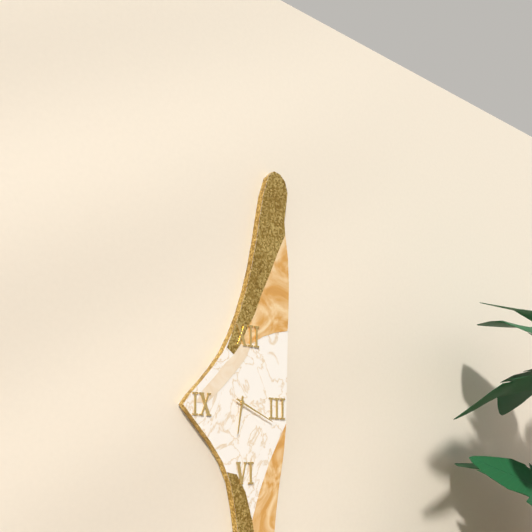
6h19
